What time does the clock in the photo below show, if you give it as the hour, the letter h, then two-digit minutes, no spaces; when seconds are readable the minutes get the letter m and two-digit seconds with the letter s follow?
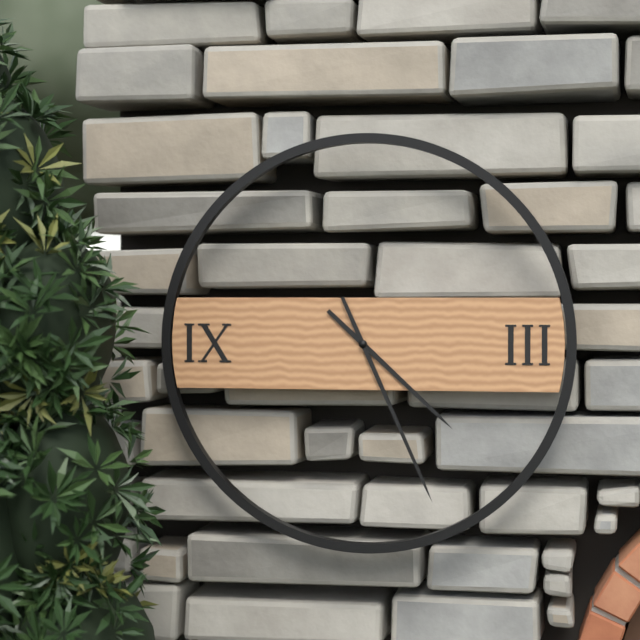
4h26
